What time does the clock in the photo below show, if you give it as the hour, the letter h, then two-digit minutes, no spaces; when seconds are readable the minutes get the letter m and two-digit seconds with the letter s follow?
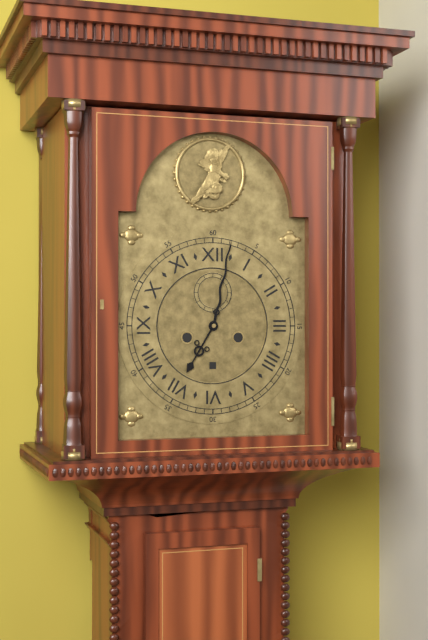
7h02
